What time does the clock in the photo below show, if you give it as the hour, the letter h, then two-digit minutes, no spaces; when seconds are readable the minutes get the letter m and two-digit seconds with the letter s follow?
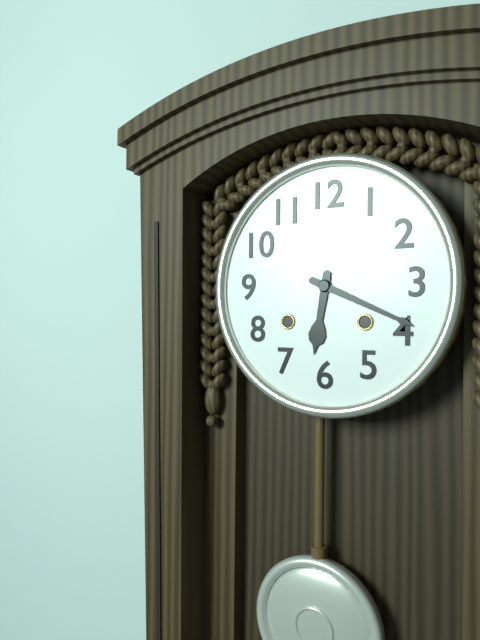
6h19
